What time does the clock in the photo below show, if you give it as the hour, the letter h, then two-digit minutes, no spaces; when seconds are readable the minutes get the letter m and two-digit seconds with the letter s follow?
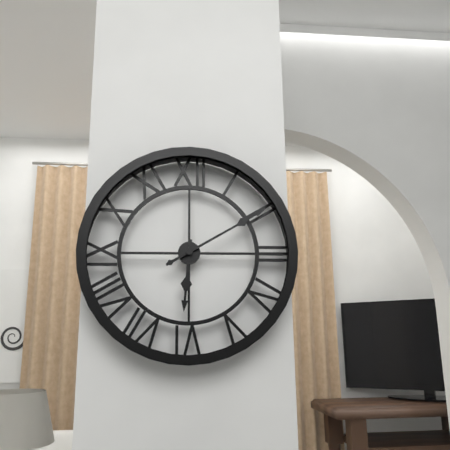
6h10
